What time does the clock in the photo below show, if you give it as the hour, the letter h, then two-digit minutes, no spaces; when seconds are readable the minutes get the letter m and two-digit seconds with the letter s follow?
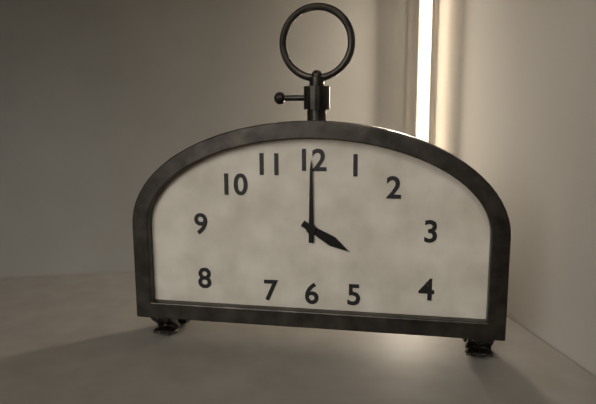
4h00
